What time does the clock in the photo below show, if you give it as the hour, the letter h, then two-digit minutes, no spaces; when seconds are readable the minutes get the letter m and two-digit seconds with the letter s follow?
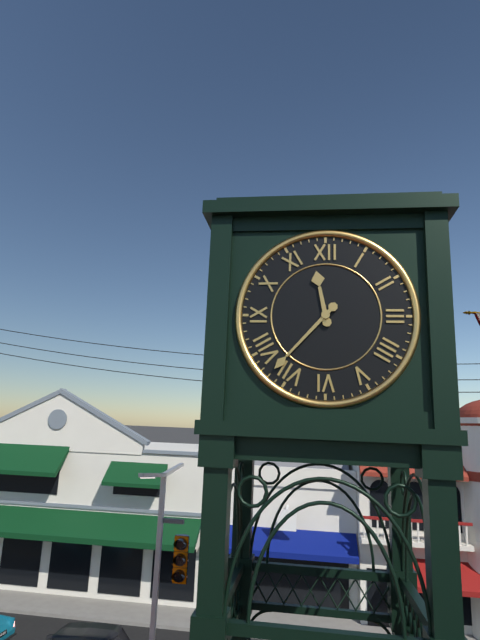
11h37
